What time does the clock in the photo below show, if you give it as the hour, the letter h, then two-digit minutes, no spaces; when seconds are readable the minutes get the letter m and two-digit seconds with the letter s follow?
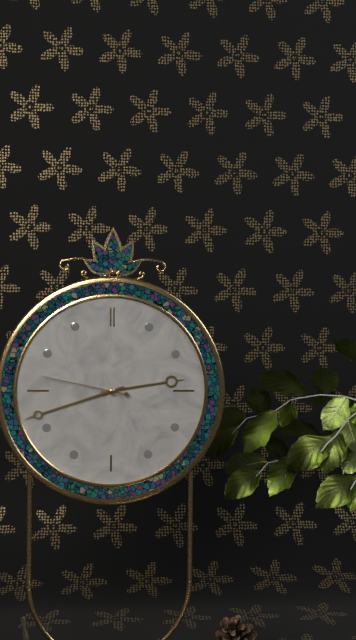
2h42m47s
